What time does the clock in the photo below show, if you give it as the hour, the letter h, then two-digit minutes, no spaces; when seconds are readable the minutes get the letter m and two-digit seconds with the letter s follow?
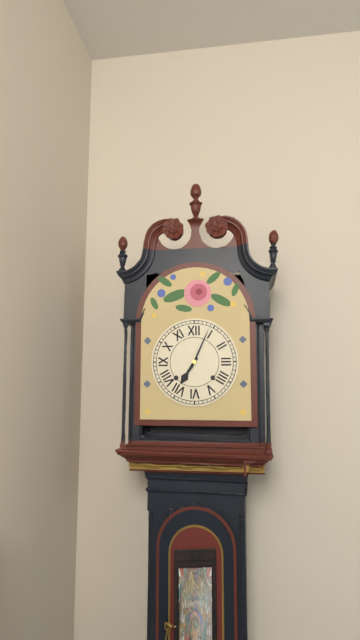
7h04
